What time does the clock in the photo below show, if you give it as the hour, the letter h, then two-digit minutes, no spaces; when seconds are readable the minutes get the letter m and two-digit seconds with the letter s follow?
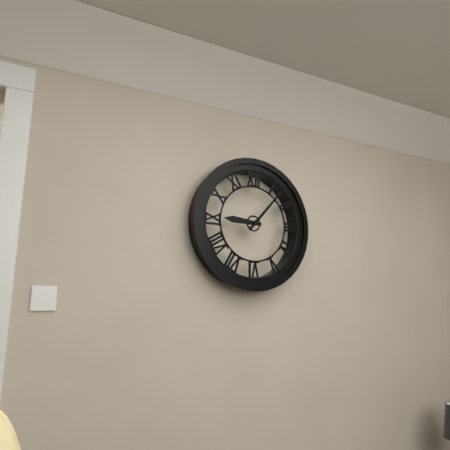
9h07
